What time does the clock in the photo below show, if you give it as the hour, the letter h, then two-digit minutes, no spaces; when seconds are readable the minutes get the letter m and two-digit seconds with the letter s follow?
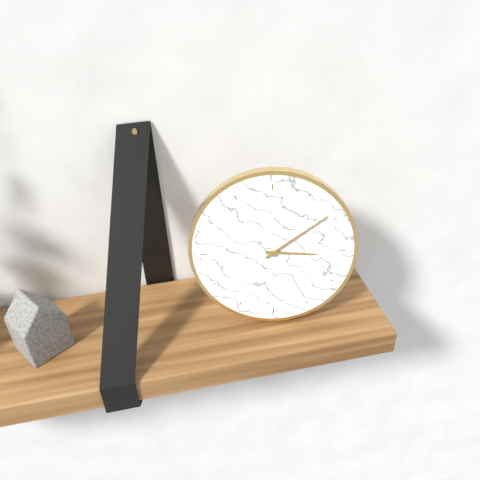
3h09
